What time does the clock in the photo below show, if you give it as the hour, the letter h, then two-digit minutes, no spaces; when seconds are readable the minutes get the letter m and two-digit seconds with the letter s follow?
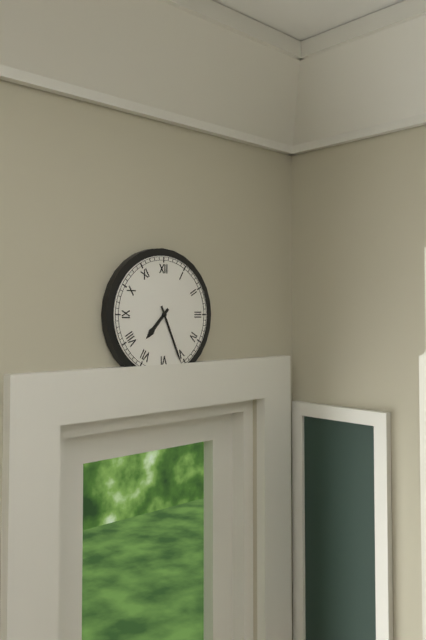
7h26
